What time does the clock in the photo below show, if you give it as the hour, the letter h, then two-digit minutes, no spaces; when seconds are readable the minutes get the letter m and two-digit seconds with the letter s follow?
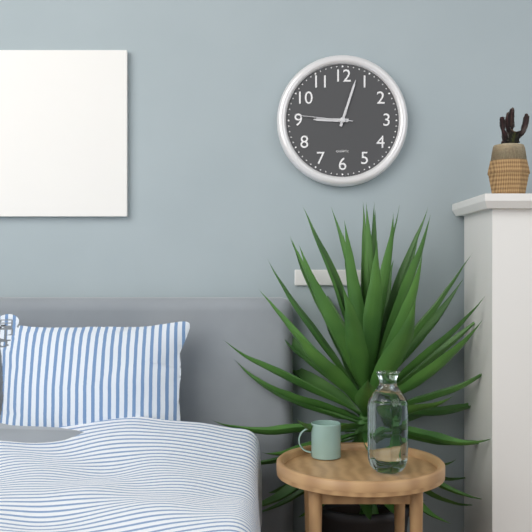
9h03m46s
